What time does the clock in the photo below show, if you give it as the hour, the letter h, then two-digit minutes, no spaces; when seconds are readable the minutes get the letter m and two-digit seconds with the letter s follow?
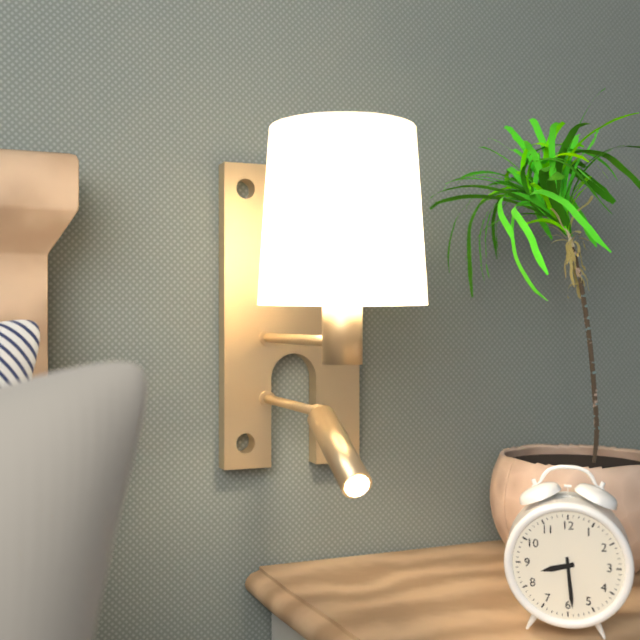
8h29
